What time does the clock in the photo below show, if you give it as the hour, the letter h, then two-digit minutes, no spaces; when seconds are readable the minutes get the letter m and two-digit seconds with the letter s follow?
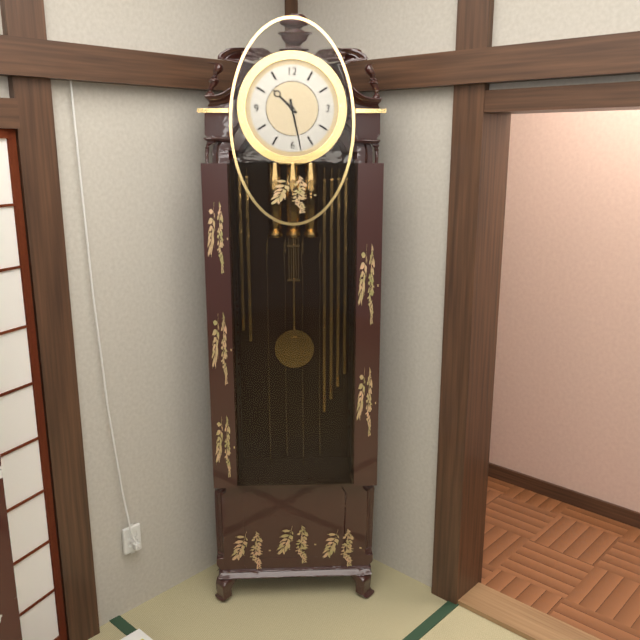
10h28
